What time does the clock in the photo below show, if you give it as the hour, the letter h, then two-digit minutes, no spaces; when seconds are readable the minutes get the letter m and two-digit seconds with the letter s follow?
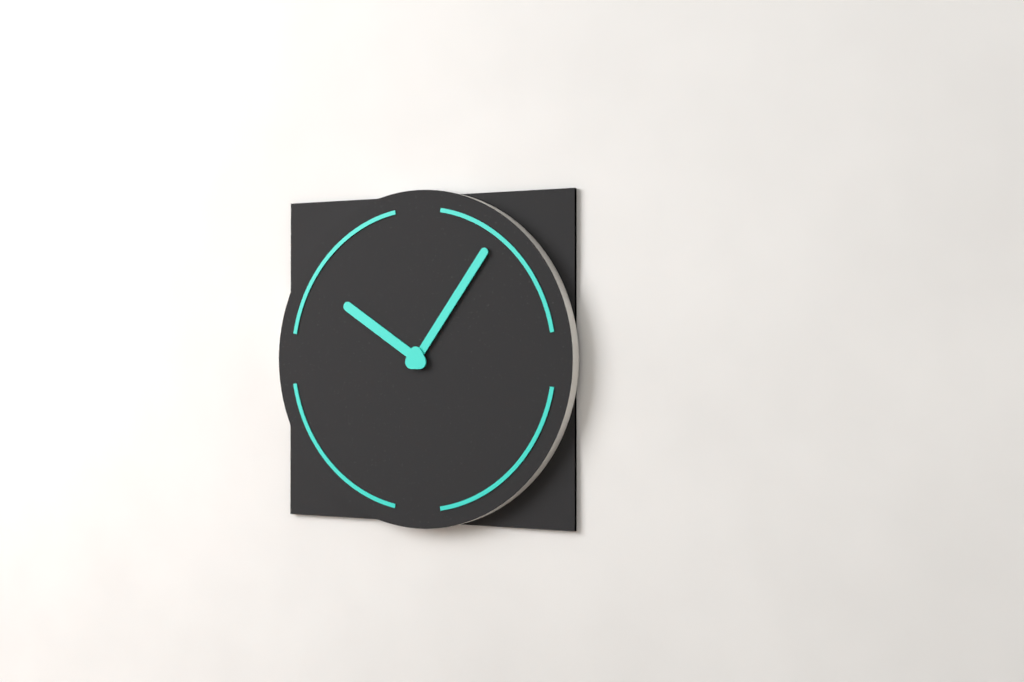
10h06
